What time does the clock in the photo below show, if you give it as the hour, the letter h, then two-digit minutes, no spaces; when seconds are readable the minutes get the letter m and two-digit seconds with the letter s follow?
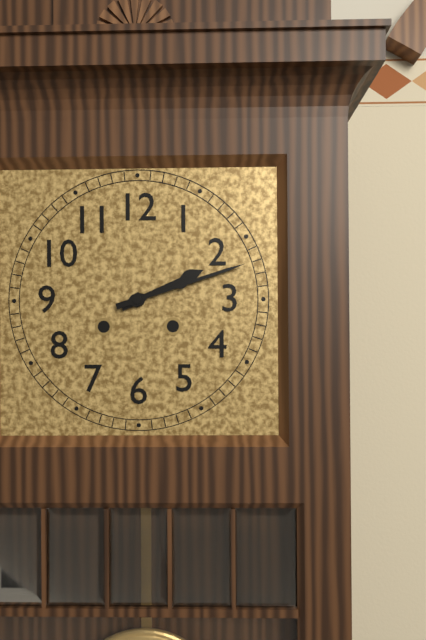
2h12
